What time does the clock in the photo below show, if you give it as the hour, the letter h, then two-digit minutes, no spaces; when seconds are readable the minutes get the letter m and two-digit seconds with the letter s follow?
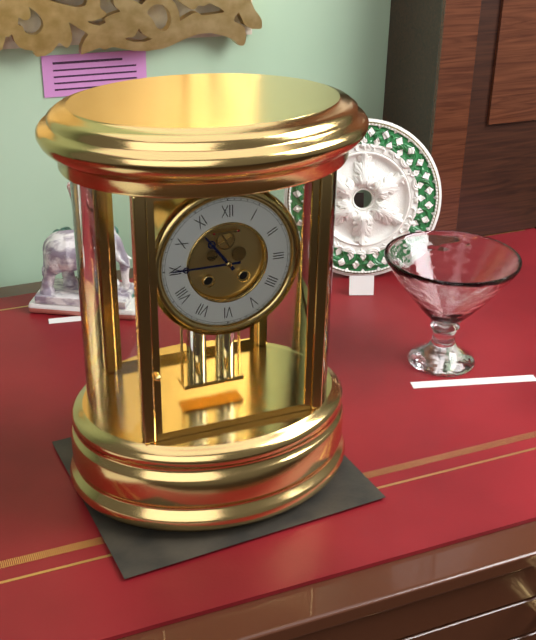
10h45
